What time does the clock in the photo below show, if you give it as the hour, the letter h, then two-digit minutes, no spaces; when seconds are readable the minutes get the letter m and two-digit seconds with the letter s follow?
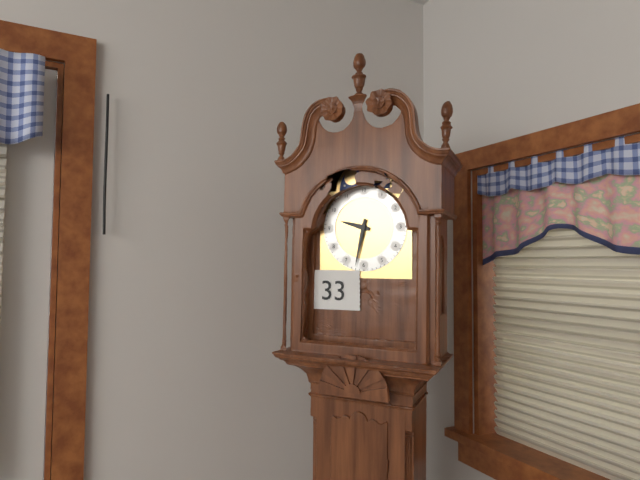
9h32
